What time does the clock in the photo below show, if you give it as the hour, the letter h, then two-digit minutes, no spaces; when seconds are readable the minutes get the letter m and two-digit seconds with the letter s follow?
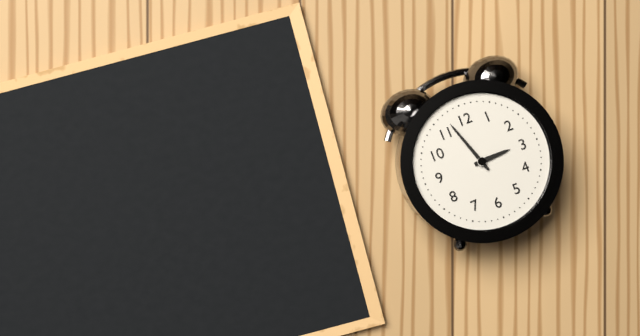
2h57
